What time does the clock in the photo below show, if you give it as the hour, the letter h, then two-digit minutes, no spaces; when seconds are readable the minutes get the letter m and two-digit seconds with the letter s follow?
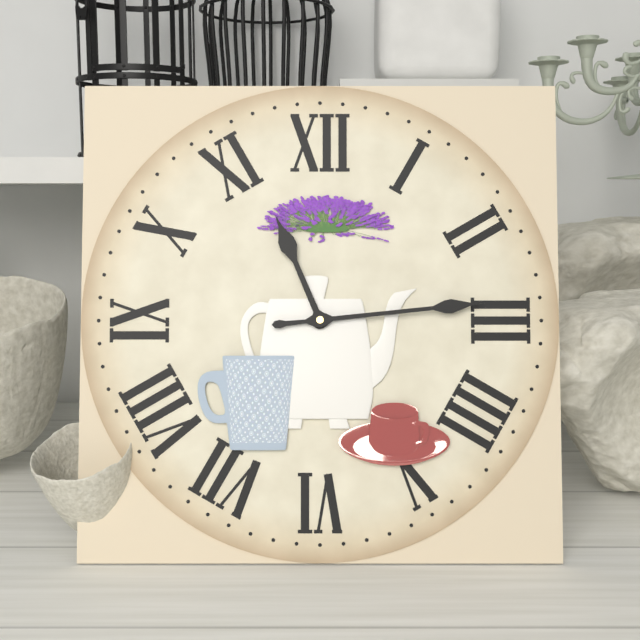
11h14
